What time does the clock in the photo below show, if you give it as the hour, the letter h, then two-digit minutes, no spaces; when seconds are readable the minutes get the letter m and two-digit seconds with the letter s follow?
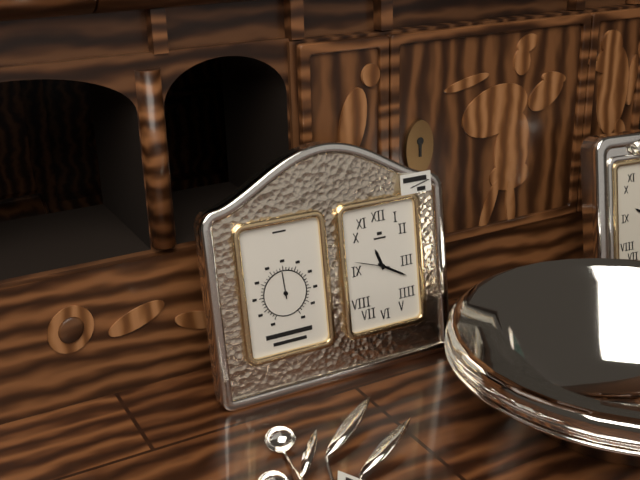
11h20
